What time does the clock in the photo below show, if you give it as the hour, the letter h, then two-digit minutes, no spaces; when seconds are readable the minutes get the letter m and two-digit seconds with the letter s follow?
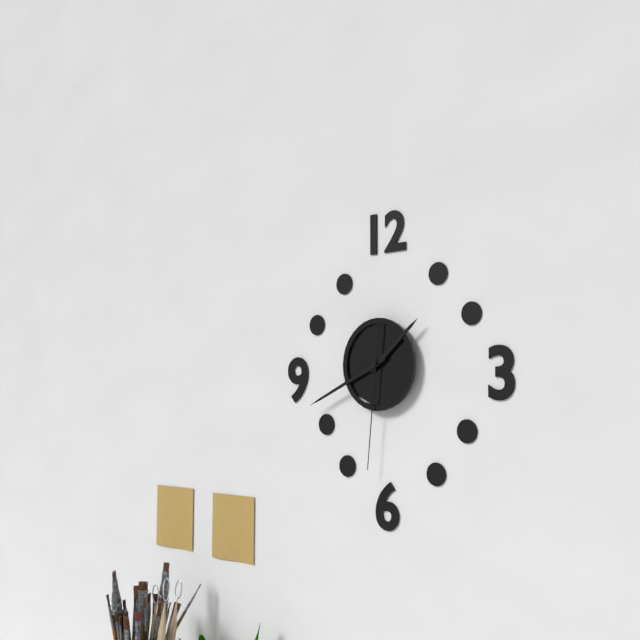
1h41m31s
